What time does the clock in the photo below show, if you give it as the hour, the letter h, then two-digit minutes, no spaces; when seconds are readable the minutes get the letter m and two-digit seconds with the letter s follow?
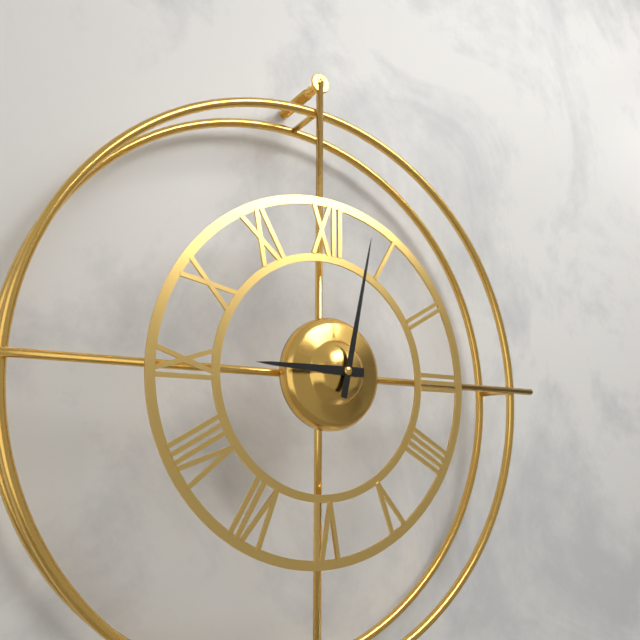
9h02
